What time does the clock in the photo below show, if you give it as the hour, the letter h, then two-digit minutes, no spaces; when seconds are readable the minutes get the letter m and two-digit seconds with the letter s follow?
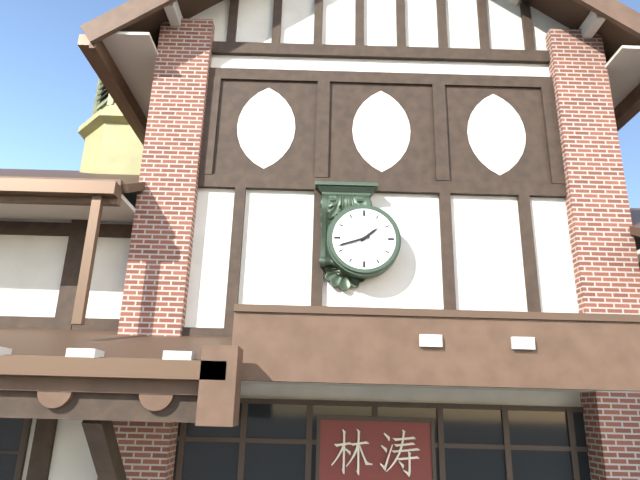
1h42
